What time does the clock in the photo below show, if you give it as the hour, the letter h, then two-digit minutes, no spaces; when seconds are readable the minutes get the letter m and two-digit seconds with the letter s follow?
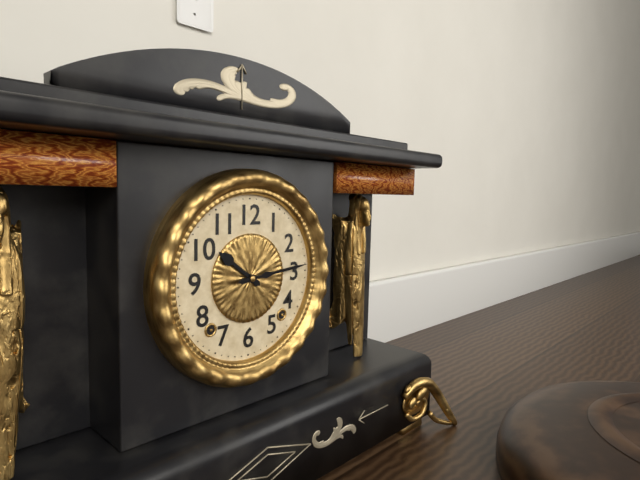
10h14
